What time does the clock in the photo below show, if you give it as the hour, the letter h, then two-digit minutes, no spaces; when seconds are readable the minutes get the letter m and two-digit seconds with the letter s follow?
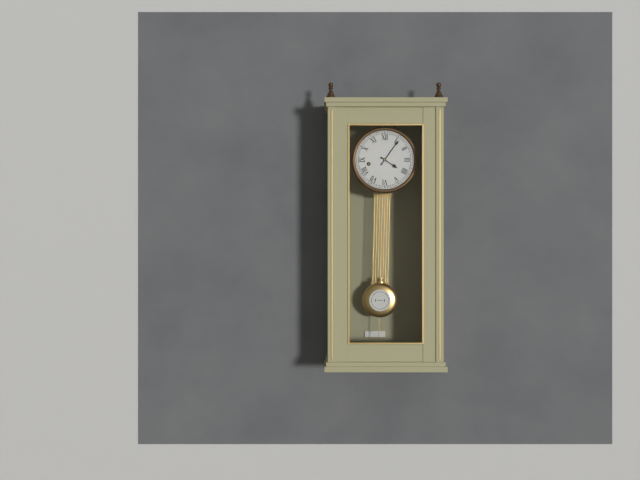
4h06
